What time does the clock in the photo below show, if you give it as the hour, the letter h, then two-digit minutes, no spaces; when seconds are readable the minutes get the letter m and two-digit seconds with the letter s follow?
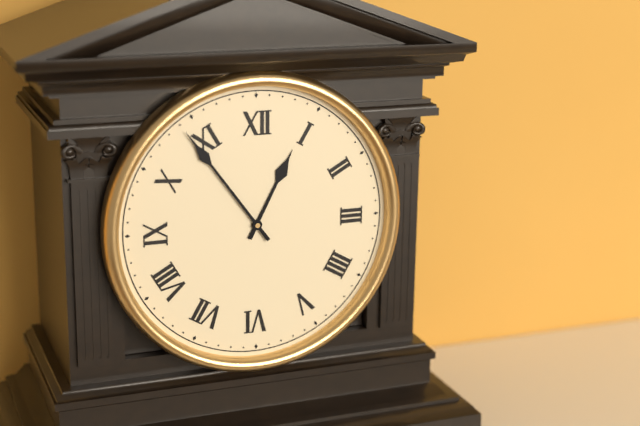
12h54
